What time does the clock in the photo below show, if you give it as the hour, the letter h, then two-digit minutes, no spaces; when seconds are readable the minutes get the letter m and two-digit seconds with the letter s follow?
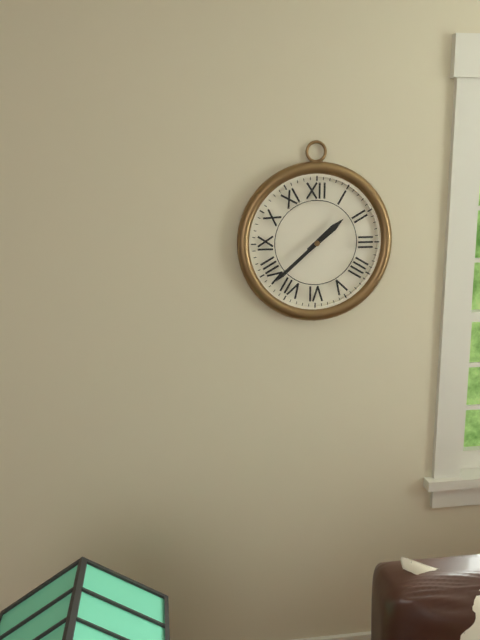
1h38
